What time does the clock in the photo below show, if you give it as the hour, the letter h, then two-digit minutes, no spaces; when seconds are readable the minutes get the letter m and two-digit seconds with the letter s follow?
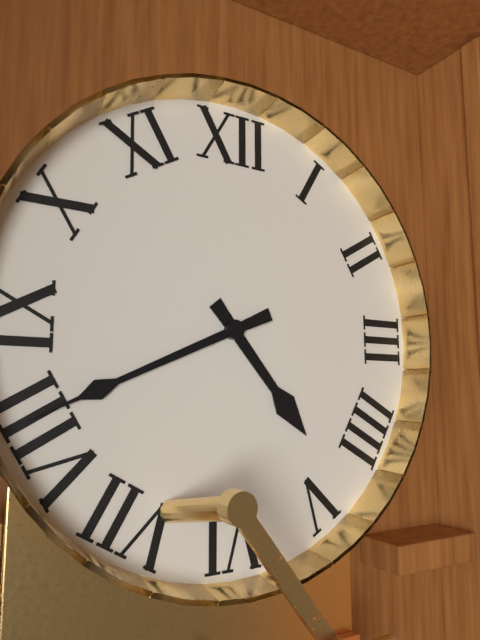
4h41
